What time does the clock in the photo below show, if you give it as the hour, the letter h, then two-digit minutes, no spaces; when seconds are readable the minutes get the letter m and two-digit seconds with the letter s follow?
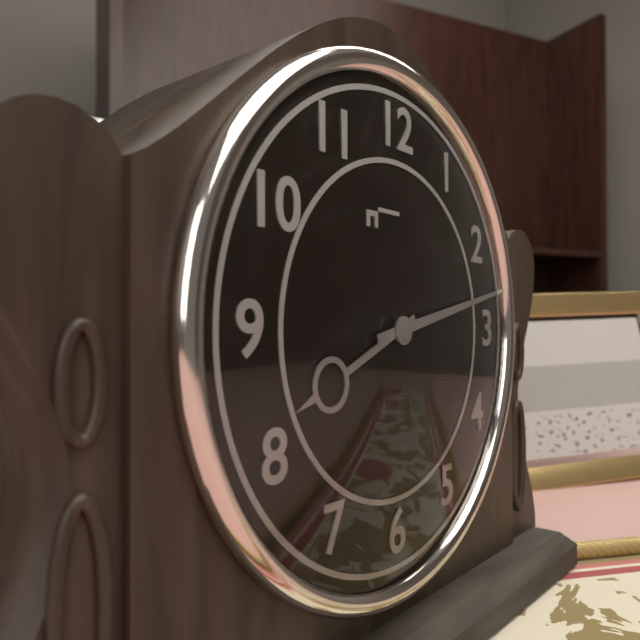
8h13
